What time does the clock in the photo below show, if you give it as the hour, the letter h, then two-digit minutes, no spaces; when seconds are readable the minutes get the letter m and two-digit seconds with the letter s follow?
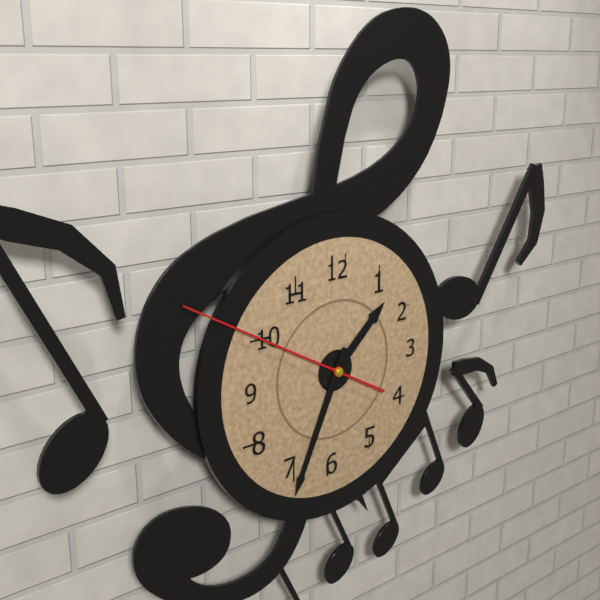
1h34m50s
